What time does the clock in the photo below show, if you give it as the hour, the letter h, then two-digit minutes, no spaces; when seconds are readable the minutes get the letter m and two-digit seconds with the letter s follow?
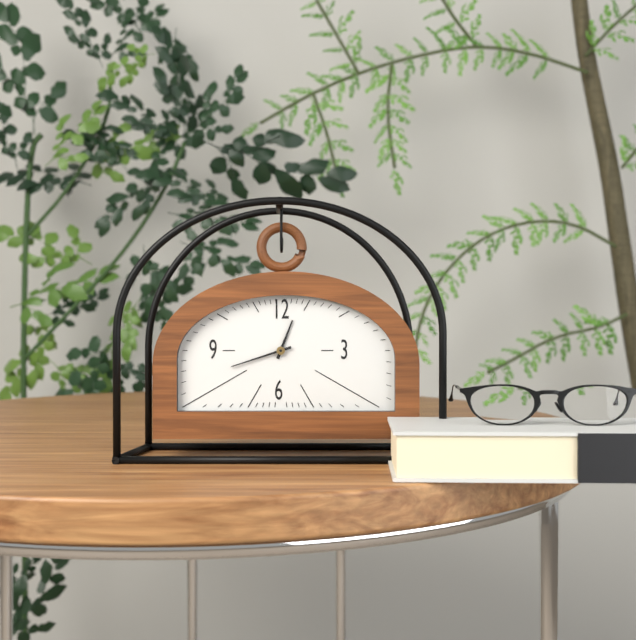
12h42
